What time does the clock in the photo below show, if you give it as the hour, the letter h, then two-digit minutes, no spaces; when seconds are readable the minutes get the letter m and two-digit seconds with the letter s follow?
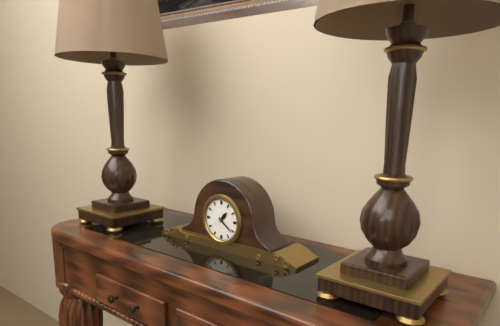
1h21
